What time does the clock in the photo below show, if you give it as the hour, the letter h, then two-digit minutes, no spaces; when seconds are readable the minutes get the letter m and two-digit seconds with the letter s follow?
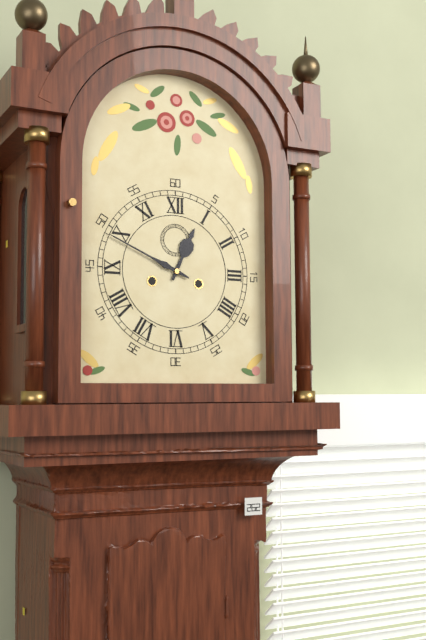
12h49
